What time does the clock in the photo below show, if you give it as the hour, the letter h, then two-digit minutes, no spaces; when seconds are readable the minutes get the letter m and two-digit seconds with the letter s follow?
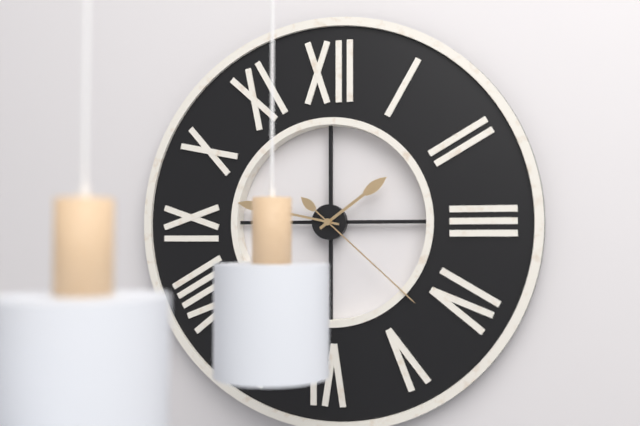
1h47m22s
